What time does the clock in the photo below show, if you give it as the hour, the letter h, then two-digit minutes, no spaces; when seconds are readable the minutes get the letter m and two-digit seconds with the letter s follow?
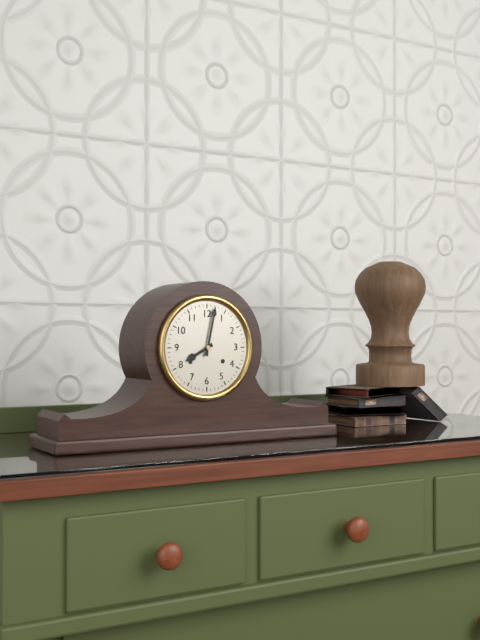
8h02
